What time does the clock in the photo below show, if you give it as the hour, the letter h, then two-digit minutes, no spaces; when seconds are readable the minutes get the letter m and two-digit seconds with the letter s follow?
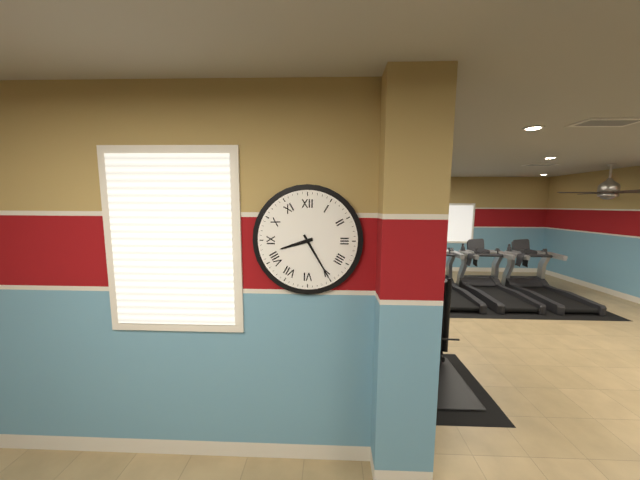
8h25
